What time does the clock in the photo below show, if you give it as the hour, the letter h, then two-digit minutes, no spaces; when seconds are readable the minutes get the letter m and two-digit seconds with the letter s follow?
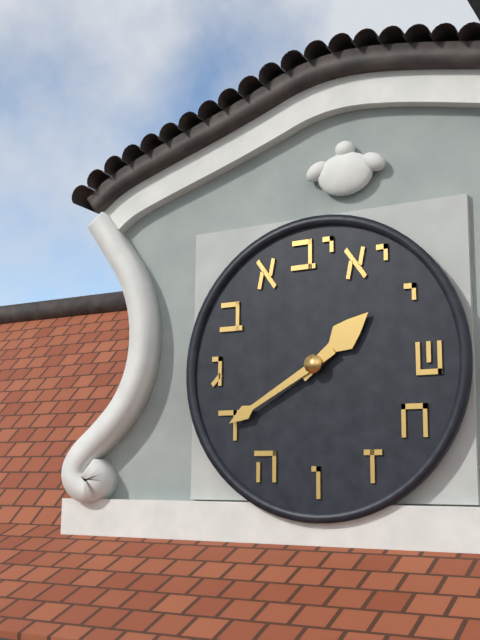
1h40
